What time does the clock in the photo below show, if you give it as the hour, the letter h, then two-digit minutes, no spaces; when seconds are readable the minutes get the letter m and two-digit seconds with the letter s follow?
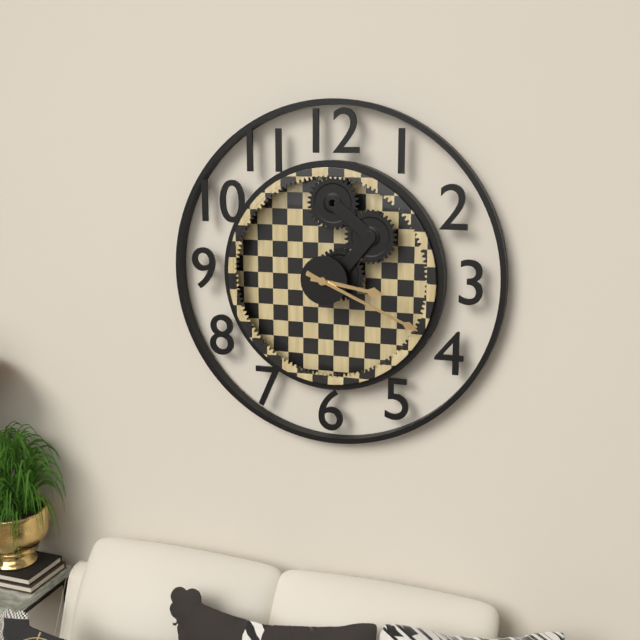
3h19
